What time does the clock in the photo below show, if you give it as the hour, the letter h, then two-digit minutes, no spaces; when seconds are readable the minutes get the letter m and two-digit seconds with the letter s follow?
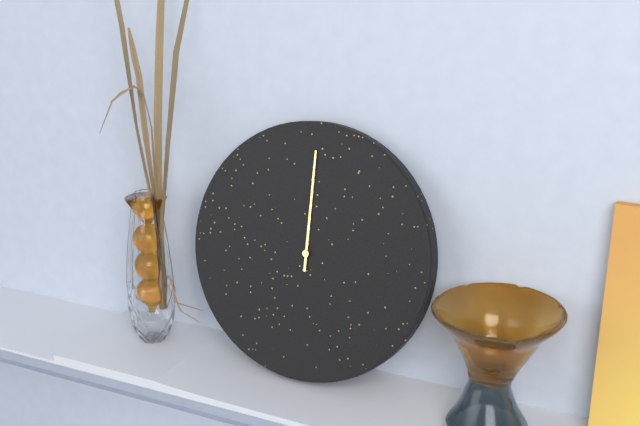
12h00
